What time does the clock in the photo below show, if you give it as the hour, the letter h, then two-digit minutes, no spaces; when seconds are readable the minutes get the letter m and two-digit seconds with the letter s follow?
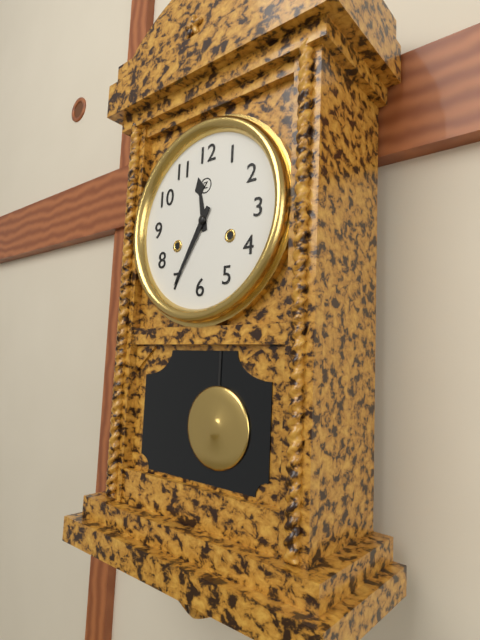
11h35
